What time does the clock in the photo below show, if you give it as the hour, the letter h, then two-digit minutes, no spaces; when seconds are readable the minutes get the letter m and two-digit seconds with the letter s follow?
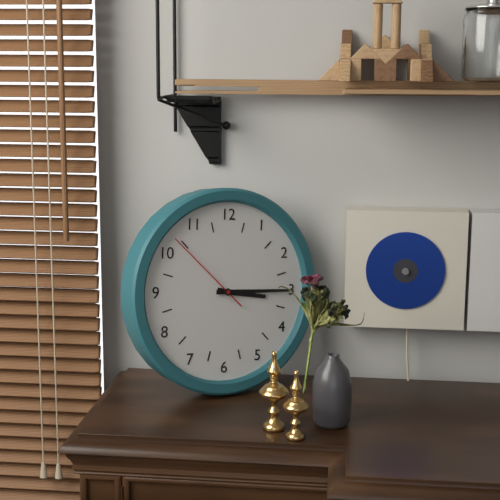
3h15m52s
